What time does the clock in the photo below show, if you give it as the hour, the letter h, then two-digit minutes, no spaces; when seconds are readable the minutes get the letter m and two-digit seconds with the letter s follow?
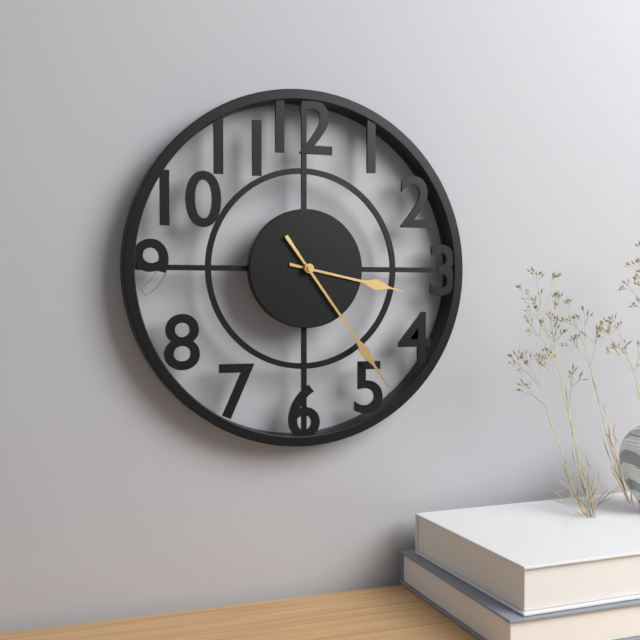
3h24
